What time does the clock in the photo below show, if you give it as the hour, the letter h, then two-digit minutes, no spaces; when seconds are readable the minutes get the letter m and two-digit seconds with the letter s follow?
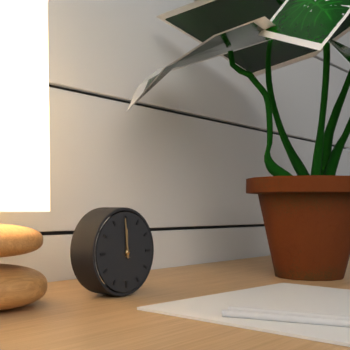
11h59
